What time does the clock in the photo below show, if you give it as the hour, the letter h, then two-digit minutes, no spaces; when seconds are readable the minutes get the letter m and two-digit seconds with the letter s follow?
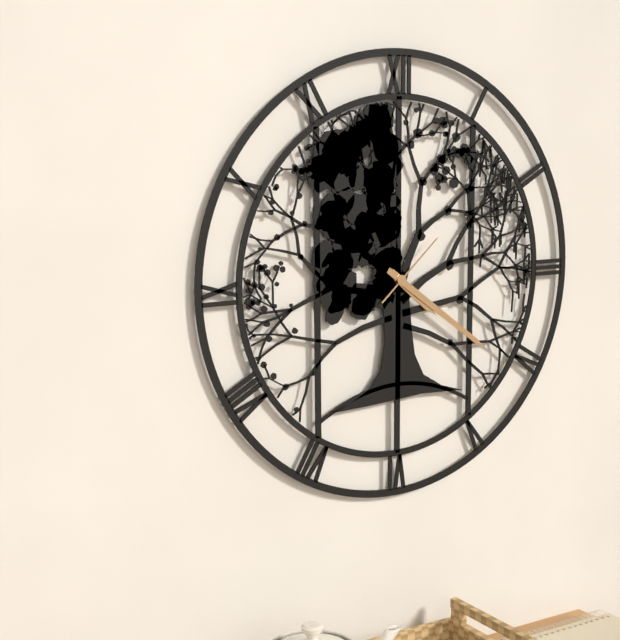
4h21m08s
